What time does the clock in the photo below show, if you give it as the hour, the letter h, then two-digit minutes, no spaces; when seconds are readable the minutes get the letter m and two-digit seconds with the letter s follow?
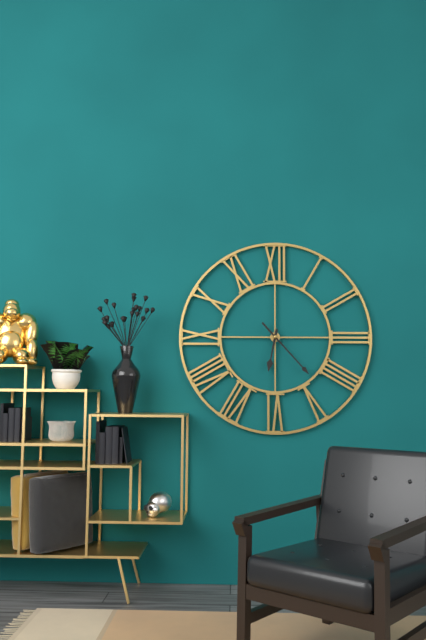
6h23
